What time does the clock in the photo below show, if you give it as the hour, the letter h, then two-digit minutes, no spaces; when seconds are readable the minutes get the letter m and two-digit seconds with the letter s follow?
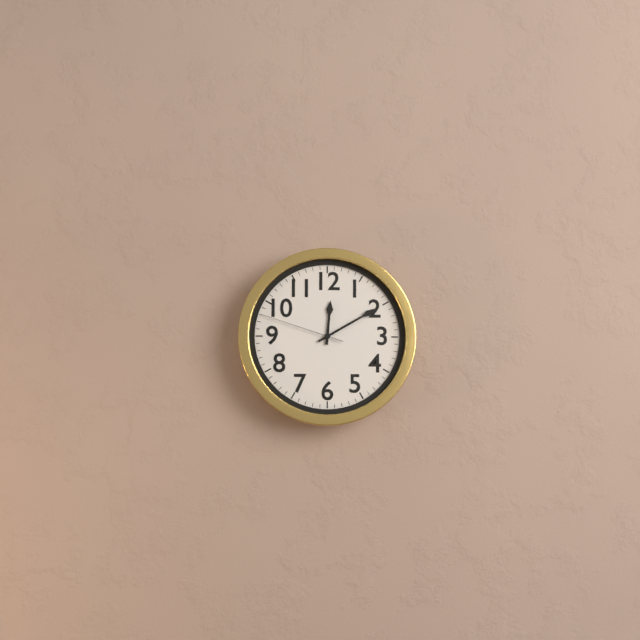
12h10m48s
